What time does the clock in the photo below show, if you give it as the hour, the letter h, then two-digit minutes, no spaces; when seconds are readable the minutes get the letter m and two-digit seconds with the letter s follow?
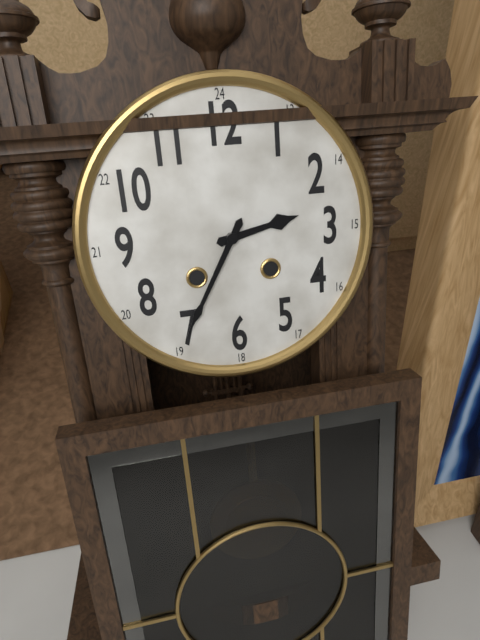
2h35
